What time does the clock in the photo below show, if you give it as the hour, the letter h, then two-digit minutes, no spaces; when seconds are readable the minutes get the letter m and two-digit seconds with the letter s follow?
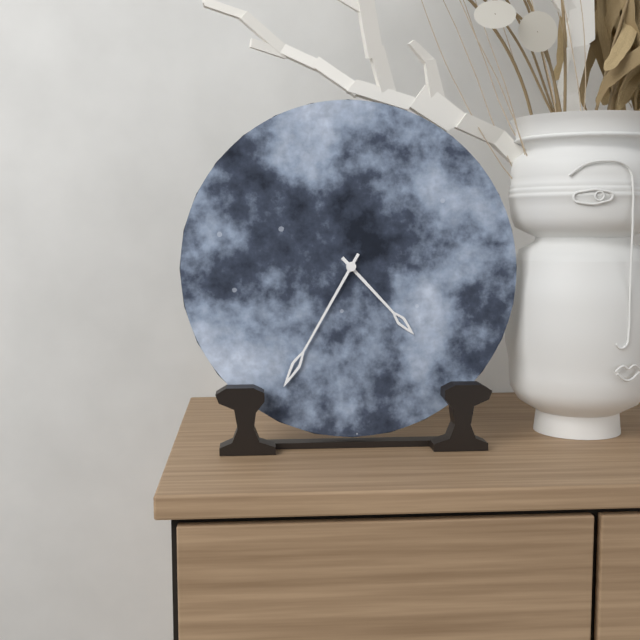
4h35
